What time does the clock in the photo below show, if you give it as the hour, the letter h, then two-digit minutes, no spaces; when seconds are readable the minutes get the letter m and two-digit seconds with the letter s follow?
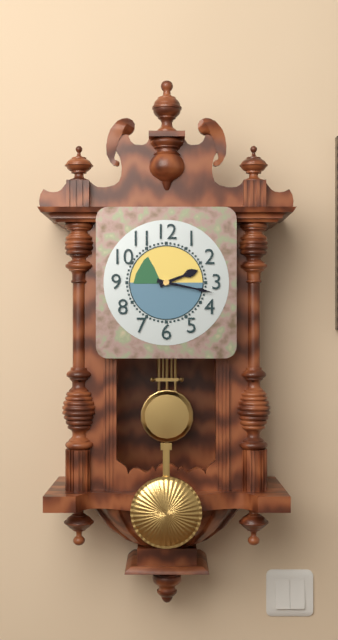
2h17
